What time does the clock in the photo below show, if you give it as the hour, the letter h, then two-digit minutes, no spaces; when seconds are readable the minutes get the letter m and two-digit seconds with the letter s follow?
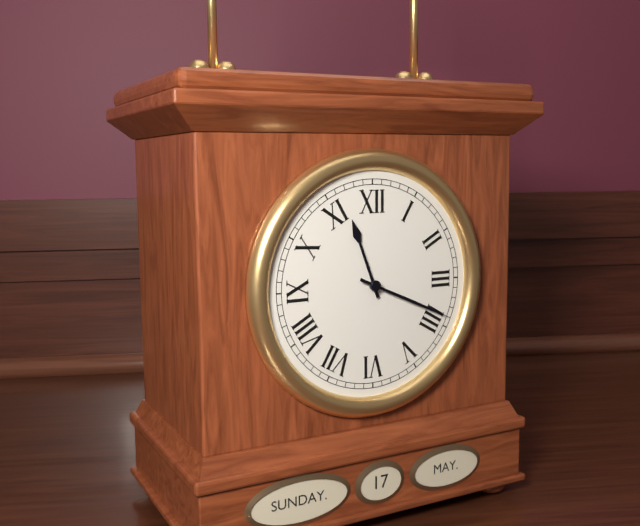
11h19
